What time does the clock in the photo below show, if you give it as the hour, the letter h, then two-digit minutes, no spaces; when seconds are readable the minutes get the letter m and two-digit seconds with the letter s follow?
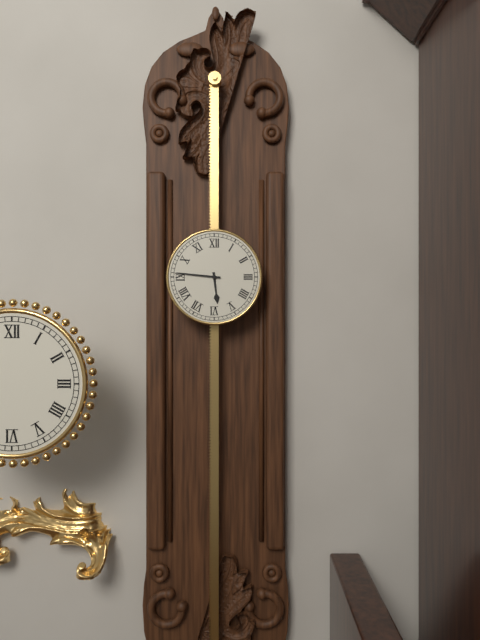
5h46
